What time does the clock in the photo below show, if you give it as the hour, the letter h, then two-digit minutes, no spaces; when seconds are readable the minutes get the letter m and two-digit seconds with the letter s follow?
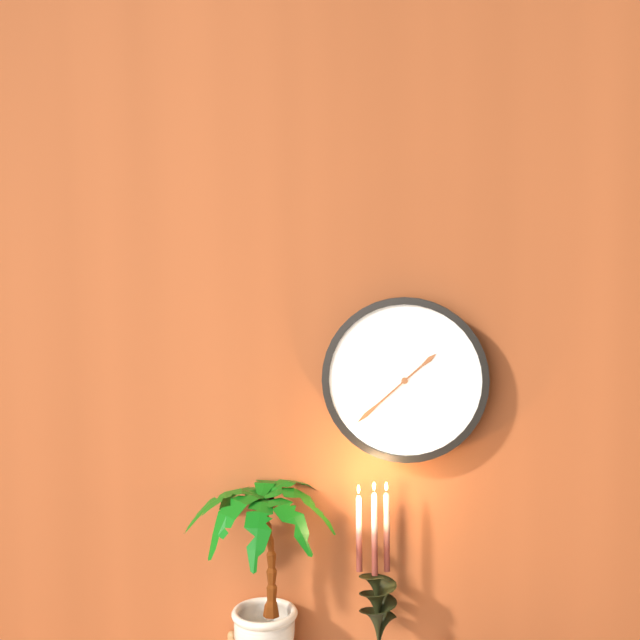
1h38
